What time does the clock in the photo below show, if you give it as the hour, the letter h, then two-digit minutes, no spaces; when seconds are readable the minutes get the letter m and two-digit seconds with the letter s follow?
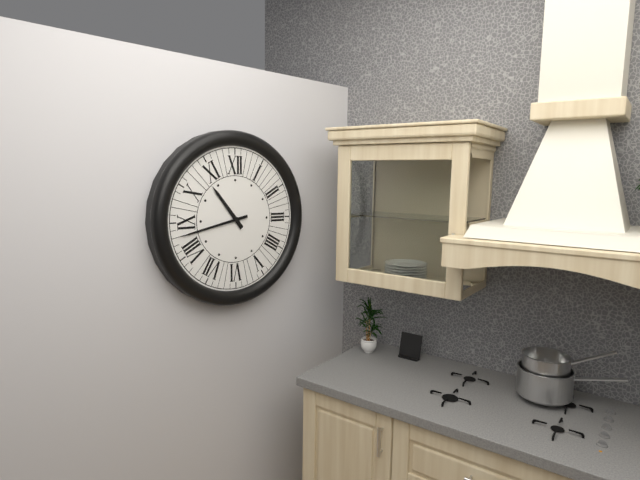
10h43
